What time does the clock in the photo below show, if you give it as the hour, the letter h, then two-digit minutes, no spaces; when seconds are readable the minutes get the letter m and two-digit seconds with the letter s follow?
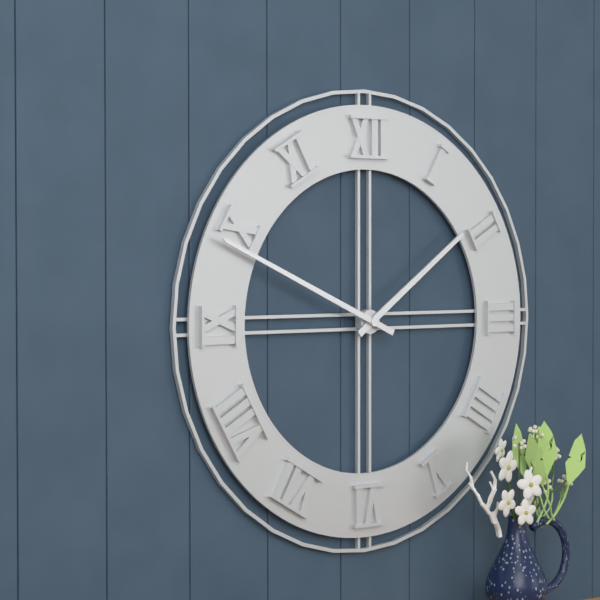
1h49
